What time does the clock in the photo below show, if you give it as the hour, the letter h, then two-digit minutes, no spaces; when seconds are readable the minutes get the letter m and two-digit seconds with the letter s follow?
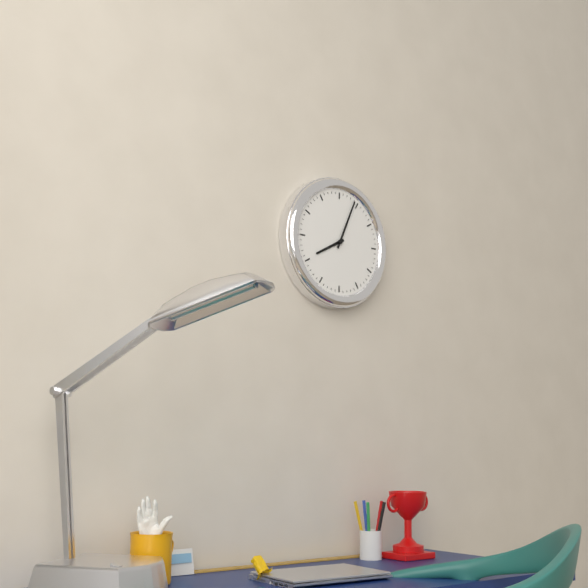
8h04
